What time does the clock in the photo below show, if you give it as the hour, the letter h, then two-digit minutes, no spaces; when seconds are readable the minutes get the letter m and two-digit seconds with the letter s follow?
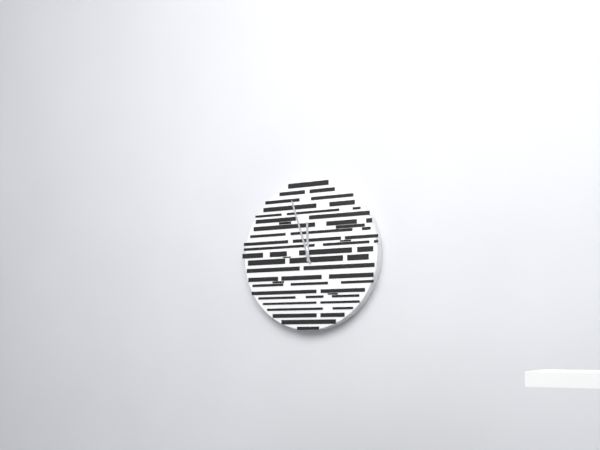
11h57
